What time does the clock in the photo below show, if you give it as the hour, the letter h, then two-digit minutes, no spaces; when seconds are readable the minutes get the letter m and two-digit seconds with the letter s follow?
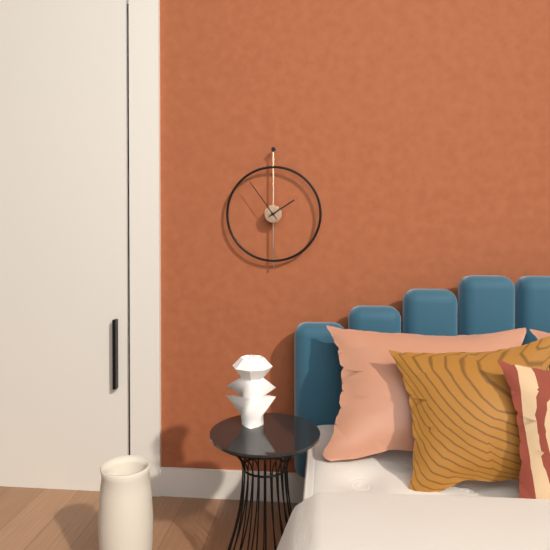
1h54
